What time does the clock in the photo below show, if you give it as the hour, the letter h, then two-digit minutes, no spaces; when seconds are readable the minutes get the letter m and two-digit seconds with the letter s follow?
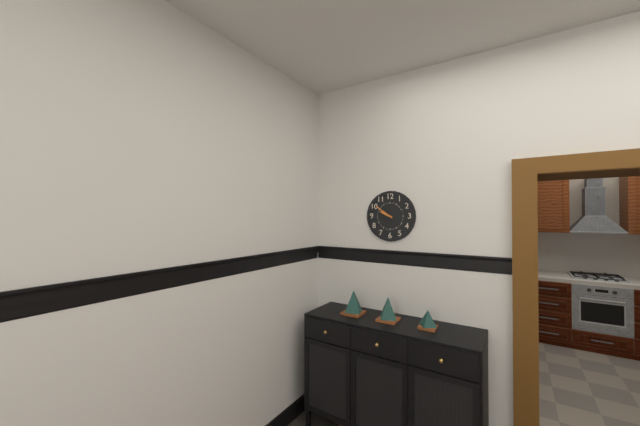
9h51
